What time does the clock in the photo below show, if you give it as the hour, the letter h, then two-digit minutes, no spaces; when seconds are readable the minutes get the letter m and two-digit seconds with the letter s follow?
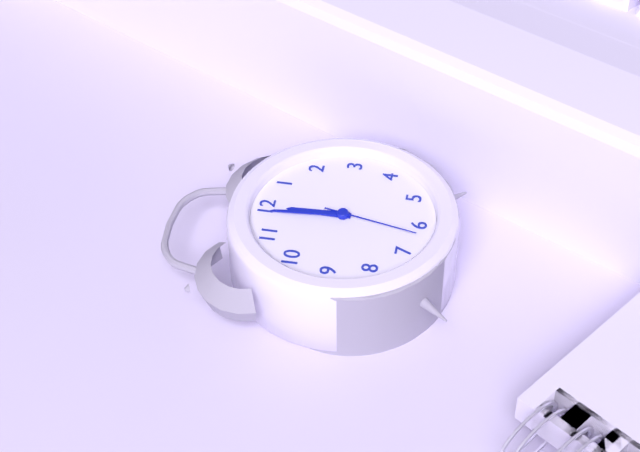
11h59m32s
